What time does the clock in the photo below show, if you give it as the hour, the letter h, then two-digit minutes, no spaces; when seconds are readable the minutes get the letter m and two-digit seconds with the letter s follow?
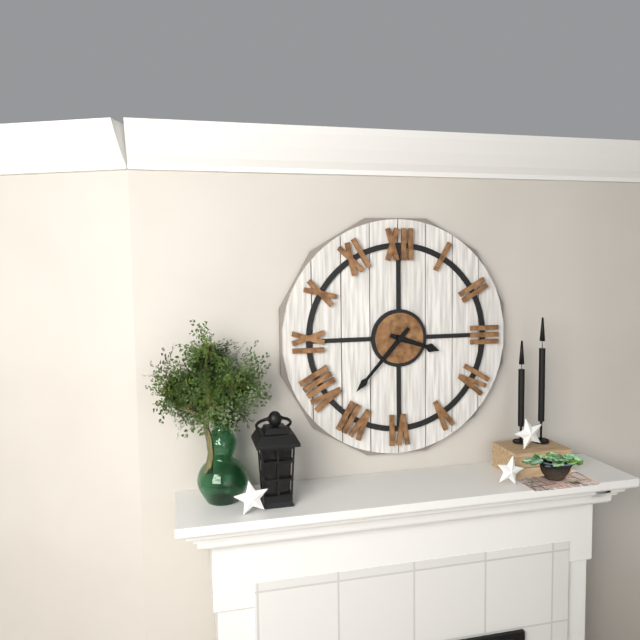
3h37
